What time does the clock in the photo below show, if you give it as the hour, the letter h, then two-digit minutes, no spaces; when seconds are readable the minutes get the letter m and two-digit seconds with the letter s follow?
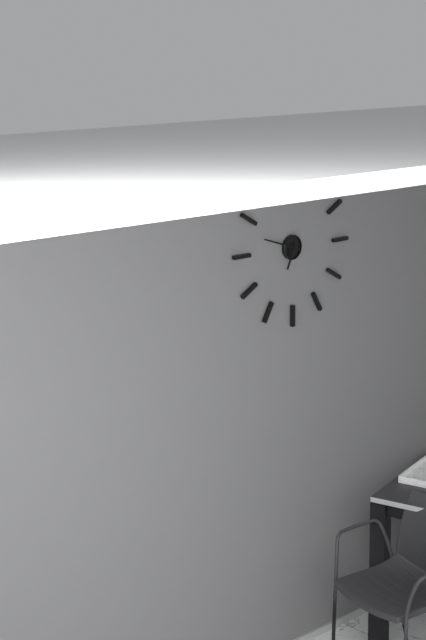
6h48
